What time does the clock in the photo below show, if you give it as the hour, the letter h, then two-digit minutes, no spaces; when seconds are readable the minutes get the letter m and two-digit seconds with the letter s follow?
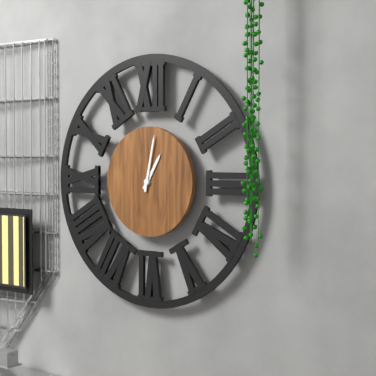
1h02
